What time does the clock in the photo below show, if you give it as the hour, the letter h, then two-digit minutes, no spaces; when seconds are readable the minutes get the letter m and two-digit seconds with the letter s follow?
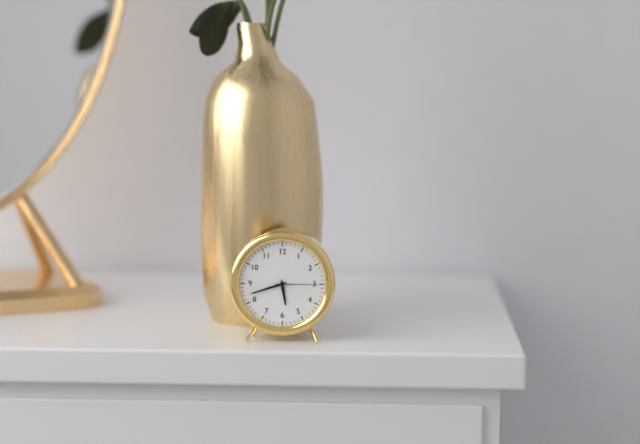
5h42
